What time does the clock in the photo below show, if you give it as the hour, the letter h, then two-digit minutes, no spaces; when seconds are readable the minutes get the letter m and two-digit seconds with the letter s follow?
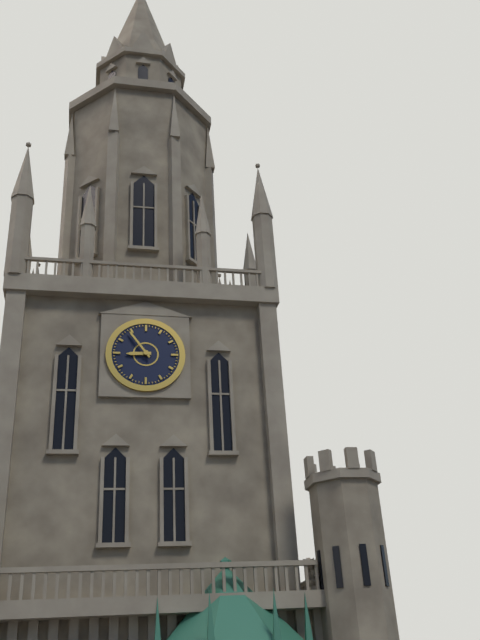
8h54
